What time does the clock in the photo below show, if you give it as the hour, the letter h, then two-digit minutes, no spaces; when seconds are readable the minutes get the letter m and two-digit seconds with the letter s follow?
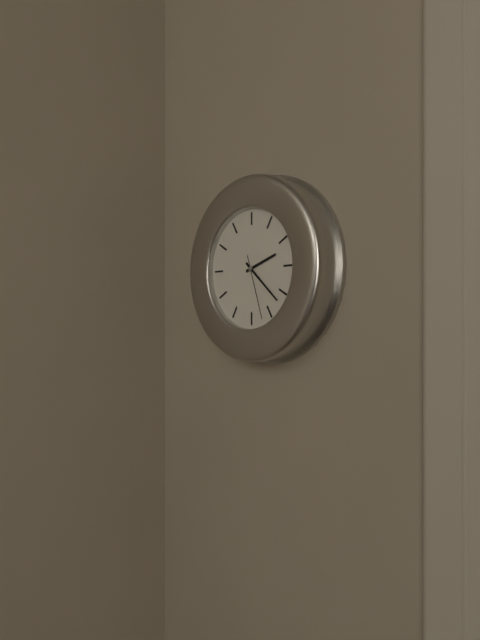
2h22m27s
